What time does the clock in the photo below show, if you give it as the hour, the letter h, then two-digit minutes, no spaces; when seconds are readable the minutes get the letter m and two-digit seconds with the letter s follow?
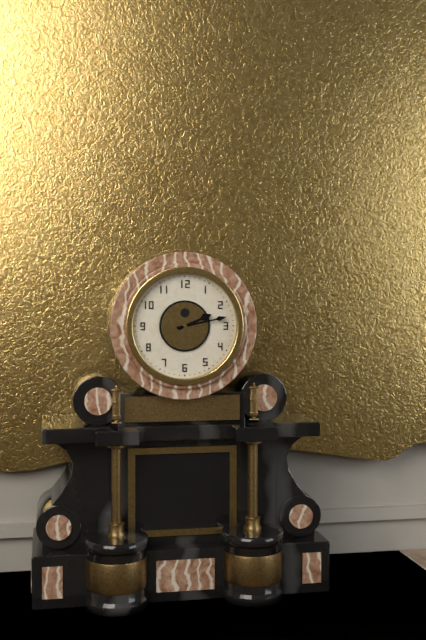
2h13
